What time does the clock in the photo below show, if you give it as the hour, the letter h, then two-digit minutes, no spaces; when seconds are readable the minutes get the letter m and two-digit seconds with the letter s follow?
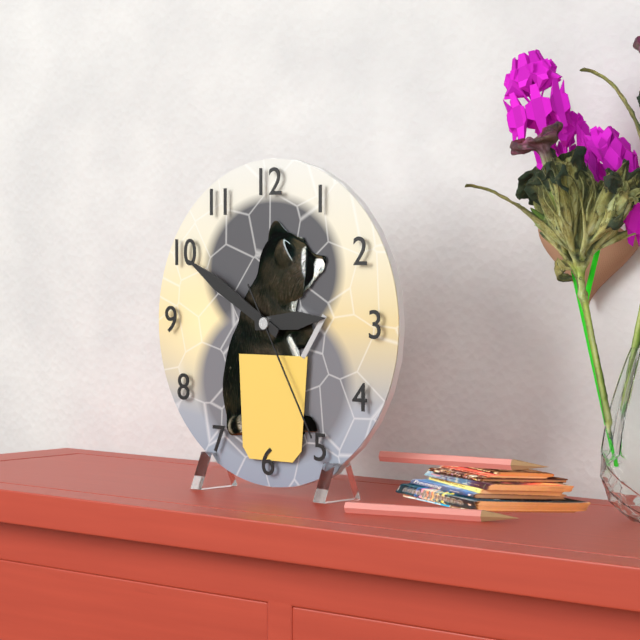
2h50m25s
